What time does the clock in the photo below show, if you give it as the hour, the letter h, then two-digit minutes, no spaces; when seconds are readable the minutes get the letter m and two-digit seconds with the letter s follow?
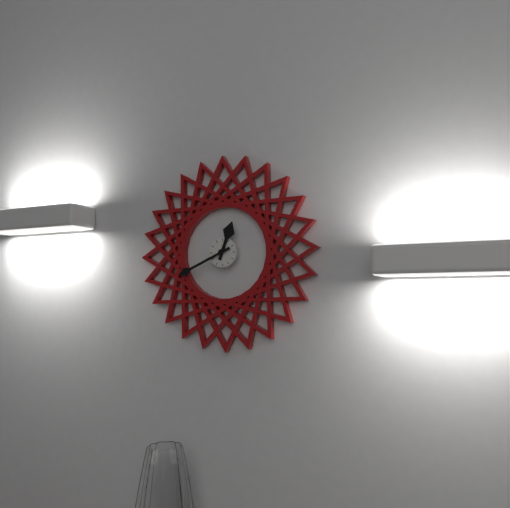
12h41
